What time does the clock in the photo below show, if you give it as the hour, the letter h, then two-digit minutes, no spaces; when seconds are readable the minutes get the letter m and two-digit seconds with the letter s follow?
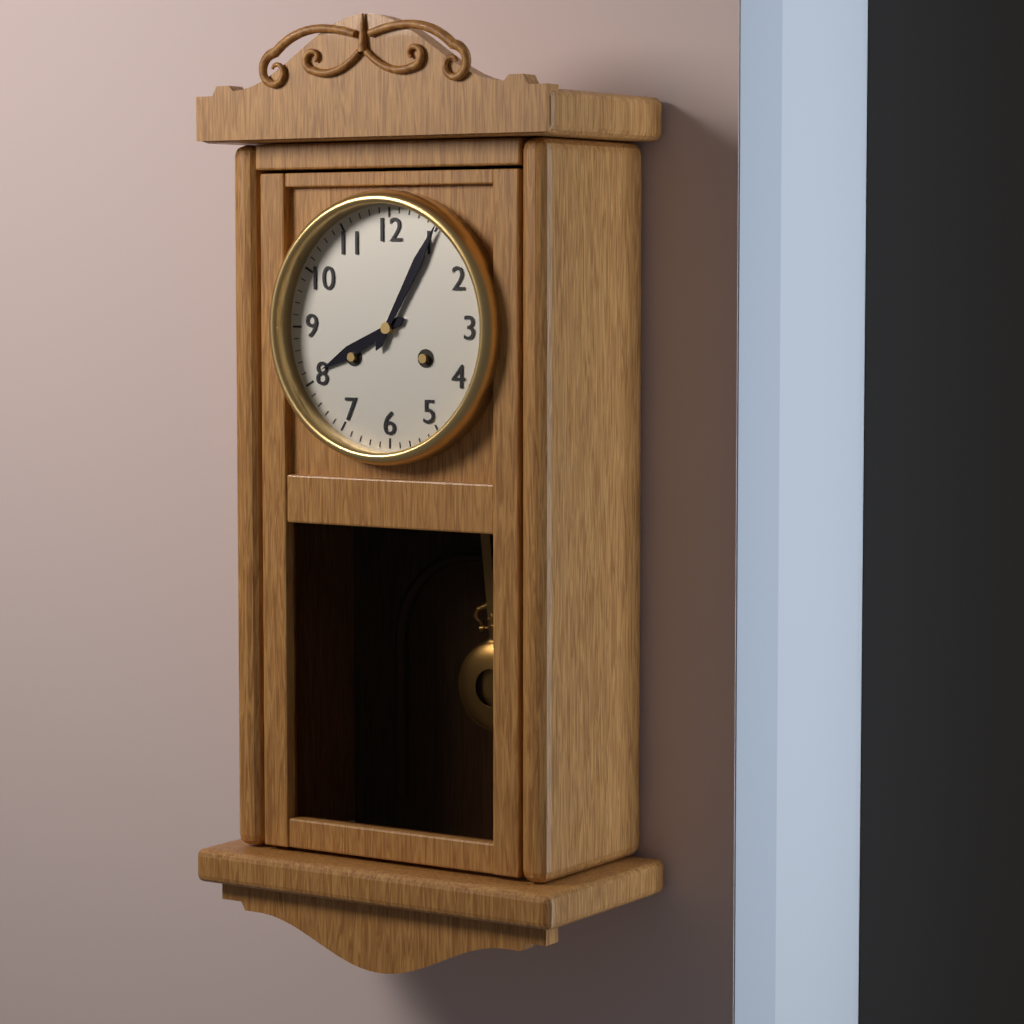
8h05
